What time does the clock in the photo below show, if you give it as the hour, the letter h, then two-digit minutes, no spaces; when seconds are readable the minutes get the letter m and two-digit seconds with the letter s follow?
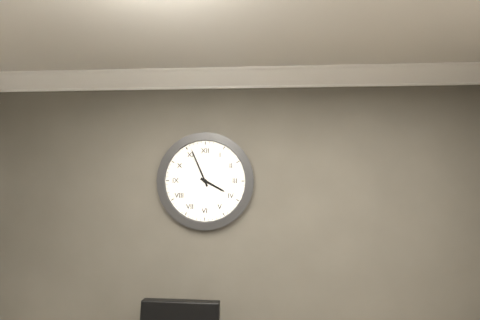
3h56
